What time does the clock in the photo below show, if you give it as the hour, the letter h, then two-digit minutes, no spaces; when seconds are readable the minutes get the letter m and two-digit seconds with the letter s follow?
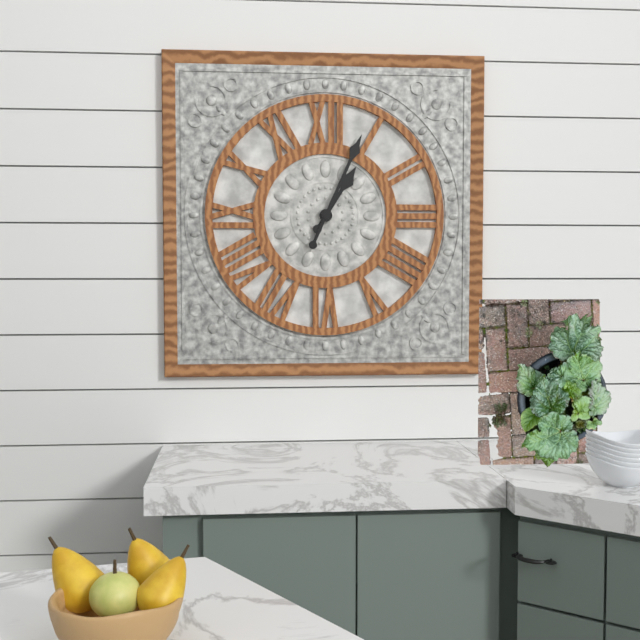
1h04
